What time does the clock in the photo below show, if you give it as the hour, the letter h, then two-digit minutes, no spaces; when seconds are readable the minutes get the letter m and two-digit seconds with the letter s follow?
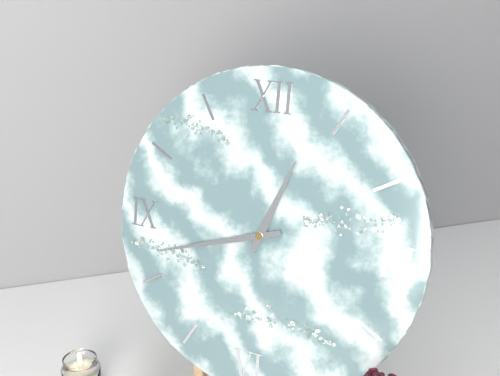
12h42
